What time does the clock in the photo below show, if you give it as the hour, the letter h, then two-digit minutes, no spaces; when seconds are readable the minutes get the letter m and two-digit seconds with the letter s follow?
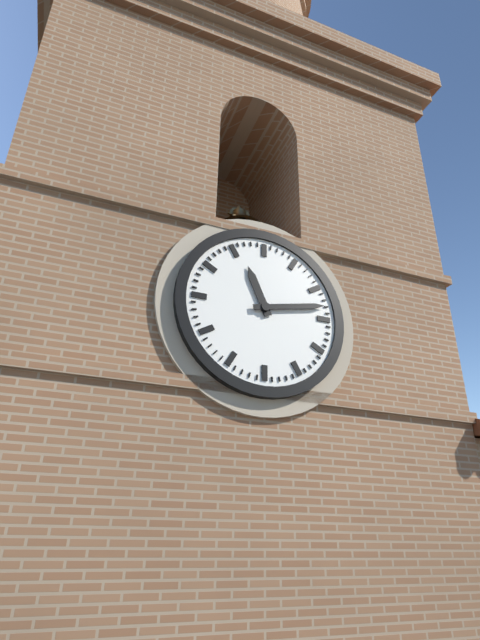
11h13
